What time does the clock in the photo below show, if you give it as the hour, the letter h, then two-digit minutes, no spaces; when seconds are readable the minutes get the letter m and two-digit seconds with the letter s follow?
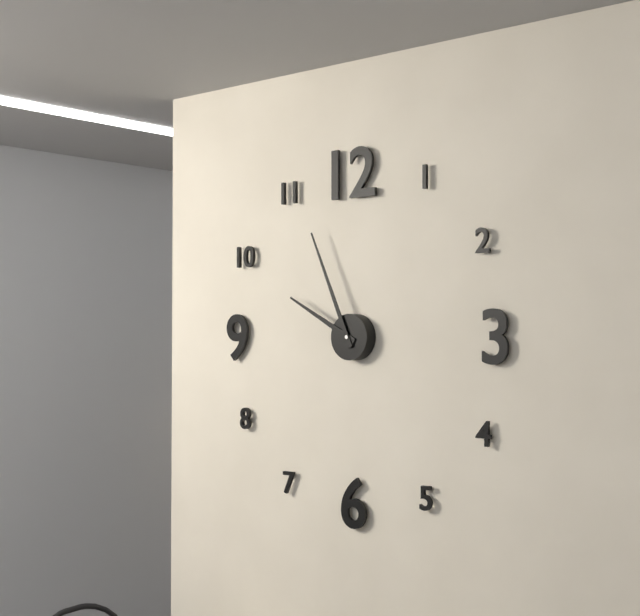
9h56
